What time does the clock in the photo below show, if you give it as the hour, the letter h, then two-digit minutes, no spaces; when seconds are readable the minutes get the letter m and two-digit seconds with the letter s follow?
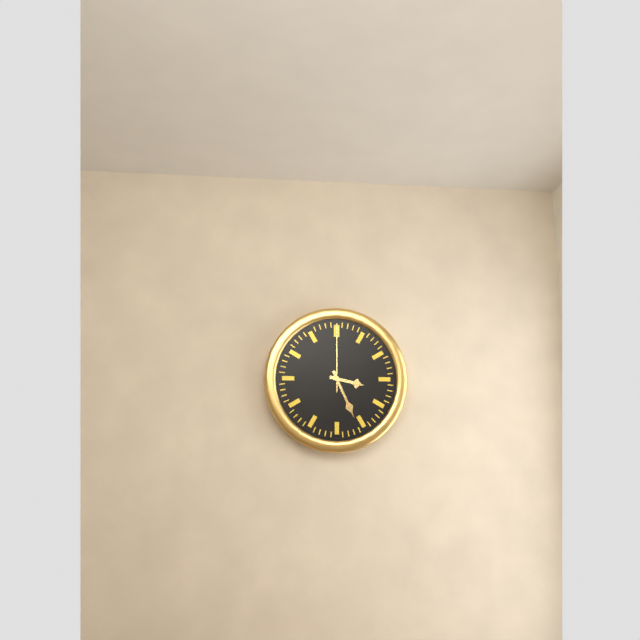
3h26m00s
